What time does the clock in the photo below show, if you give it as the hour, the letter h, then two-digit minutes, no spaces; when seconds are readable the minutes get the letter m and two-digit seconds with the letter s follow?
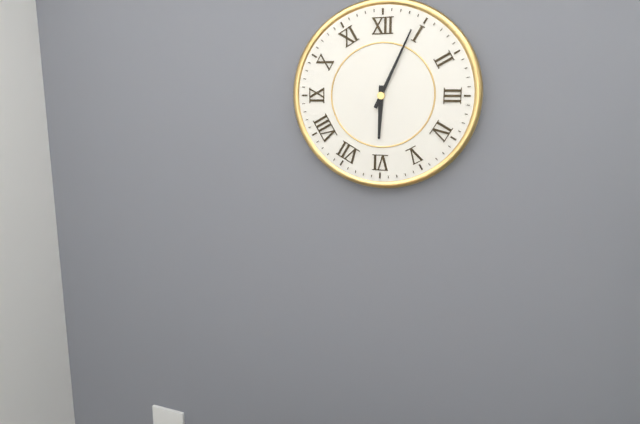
6h04
